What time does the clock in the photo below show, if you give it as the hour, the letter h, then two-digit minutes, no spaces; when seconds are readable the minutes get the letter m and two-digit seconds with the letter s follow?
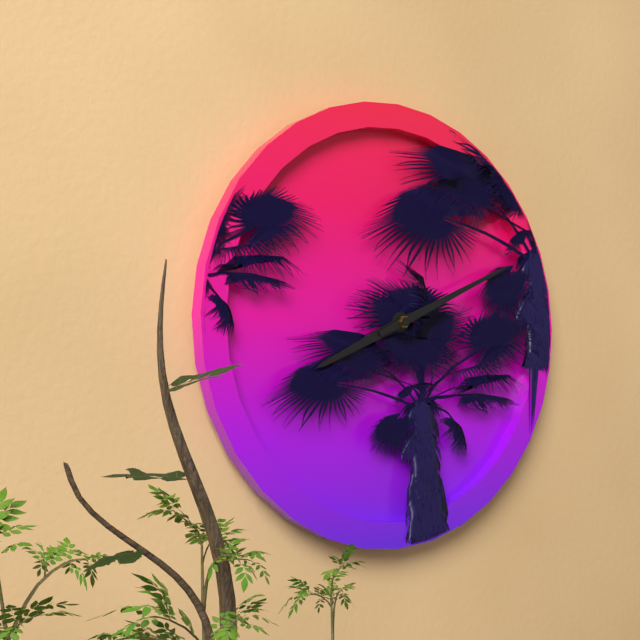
8h11
